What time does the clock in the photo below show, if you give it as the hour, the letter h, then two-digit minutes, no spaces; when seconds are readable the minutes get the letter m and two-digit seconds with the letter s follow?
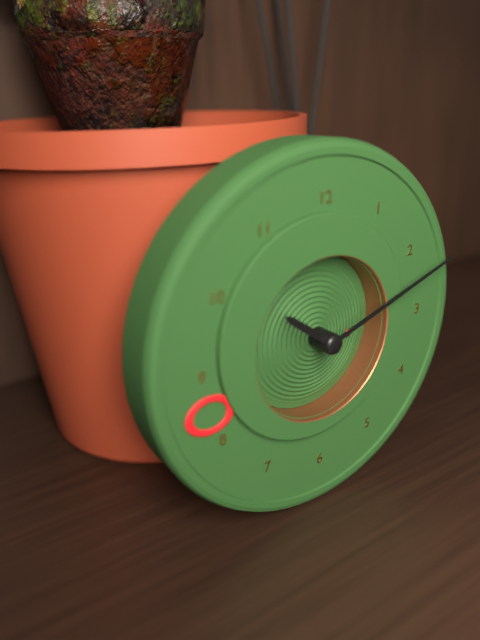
10h12m17s
